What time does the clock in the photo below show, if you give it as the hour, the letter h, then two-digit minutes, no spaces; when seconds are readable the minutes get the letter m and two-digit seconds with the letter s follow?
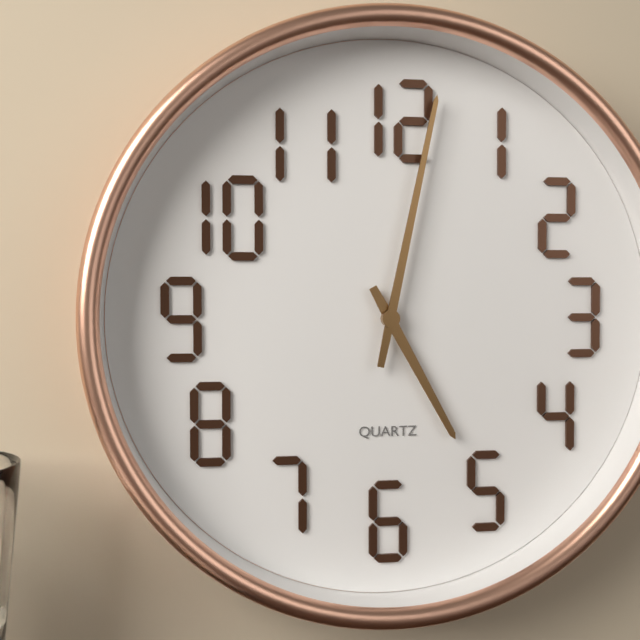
5h02
